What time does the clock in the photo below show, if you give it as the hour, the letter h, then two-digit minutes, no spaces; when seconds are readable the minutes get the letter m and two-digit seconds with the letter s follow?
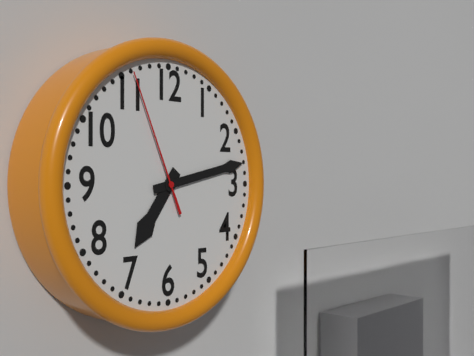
7h13m56s
